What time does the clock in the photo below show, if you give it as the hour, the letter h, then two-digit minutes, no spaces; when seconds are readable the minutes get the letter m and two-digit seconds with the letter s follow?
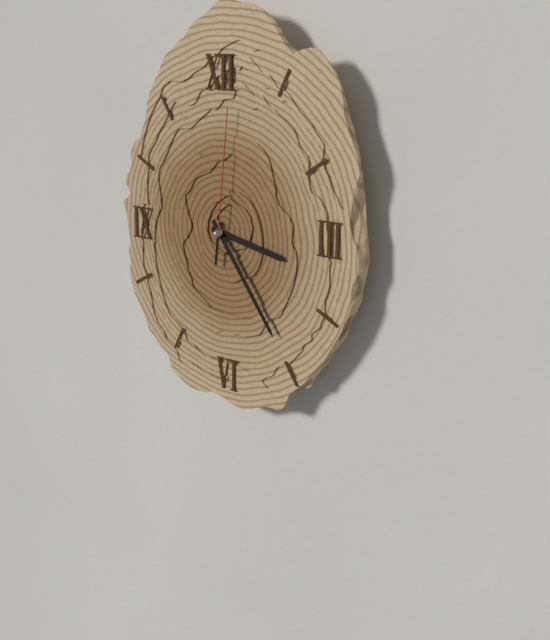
3h24m01s
